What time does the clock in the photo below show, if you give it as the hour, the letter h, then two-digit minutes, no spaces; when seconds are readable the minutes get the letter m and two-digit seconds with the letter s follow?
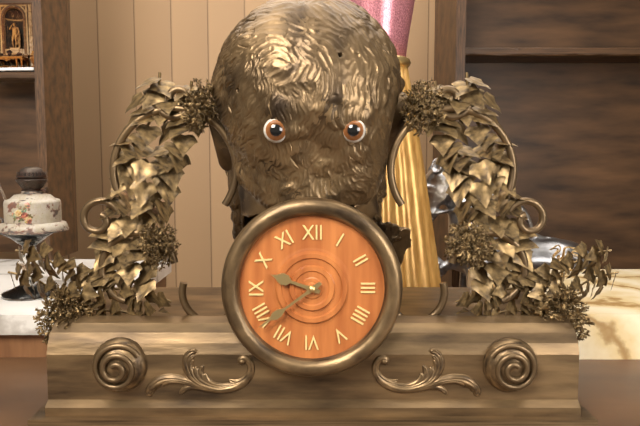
9h39
